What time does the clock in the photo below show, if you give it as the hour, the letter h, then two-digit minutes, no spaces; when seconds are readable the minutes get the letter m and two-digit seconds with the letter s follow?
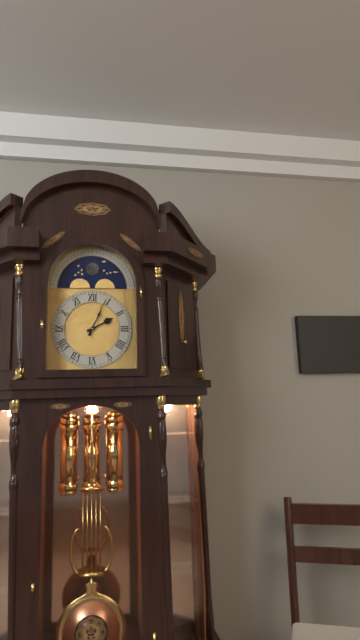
2h04
